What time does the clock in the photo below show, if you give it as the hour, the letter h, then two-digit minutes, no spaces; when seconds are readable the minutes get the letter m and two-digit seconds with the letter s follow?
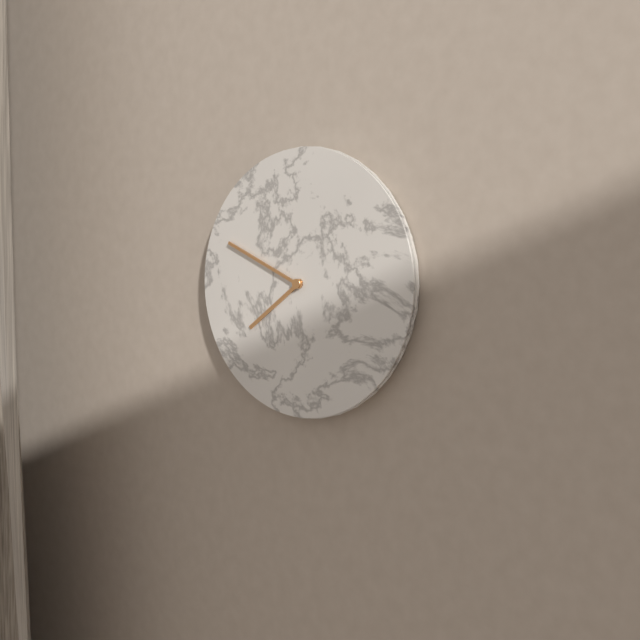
7h49
